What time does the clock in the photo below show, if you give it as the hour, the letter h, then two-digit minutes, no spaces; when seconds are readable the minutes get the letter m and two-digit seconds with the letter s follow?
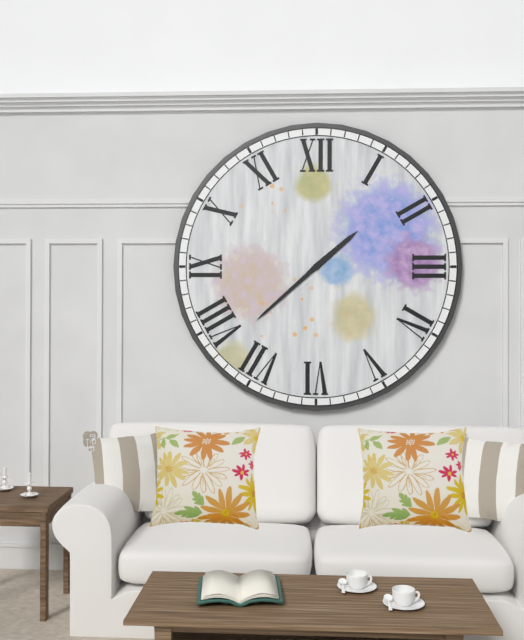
1h38
